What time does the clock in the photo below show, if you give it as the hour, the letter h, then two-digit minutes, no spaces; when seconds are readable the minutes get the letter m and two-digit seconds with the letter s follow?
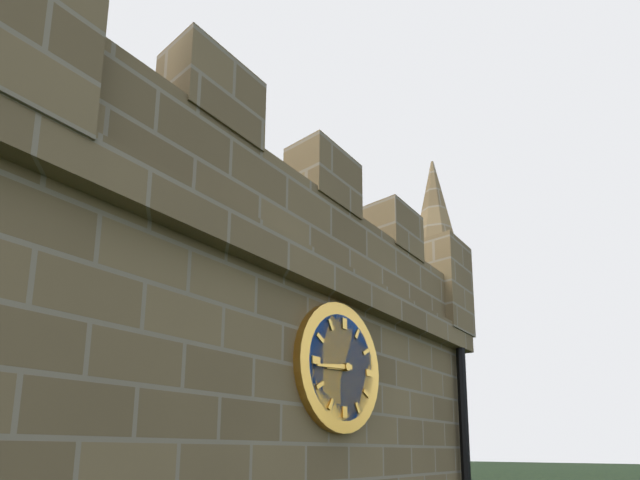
8h44
